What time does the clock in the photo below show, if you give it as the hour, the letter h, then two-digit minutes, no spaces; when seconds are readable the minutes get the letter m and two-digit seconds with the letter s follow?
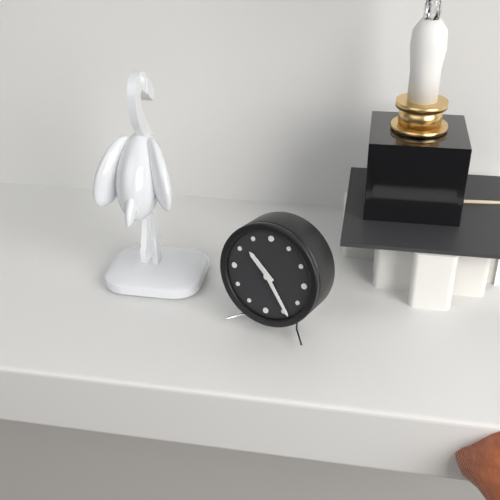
10h24
